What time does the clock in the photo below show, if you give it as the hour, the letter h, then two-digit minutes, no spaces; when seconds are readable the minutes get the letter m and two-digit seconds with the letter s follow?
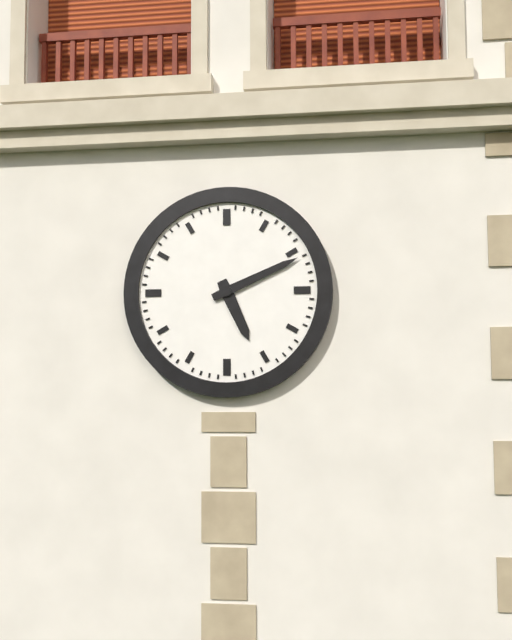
5h11
